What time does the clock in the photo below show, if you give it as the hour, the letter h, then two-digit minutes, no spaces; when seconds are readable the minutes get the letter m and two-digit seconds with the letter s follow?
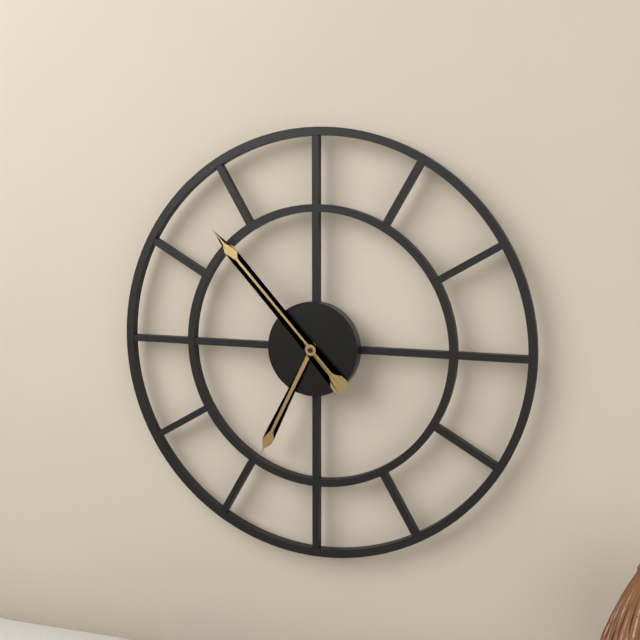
6h53
